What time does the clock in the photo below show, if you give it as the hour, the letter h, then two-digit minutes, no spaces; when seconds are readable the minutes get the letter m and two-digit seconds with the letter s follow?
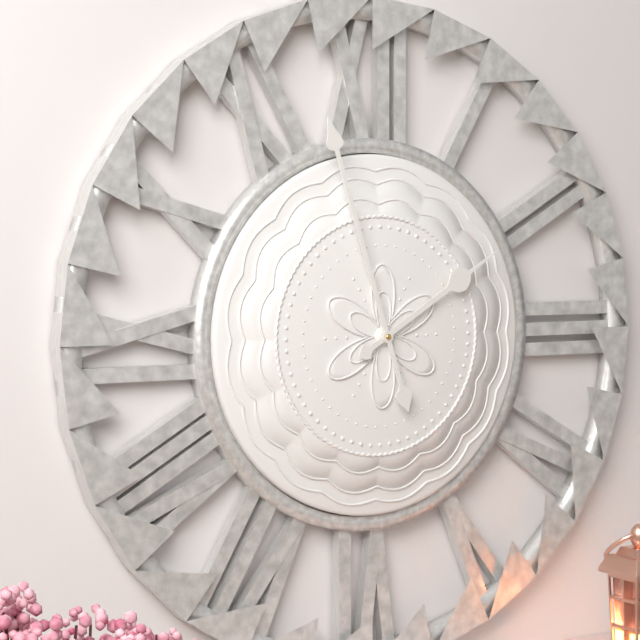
1h57
